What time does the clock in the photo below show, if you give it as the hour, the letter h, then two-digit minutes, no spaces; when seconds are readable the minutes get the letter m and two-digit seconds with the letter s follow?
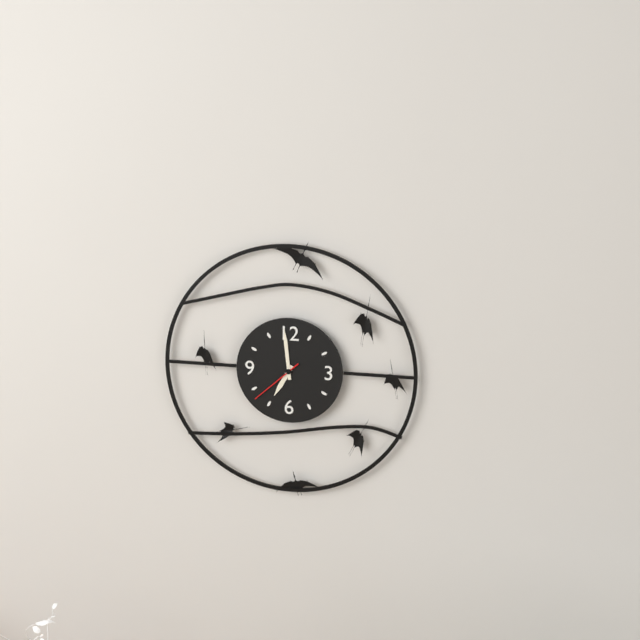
6h59m38s
